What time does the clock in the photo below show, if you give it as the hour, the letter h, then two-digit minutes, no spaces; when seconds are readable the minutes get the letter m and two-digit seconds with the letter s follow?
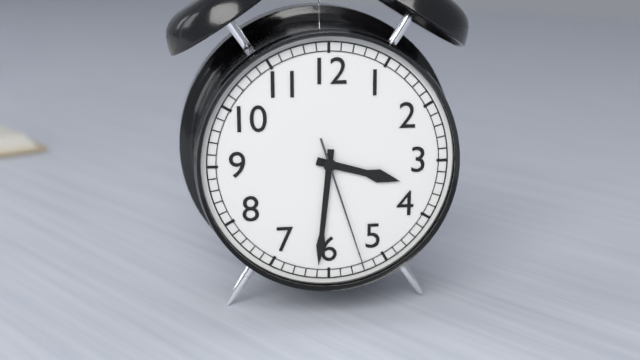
3h31m27s
